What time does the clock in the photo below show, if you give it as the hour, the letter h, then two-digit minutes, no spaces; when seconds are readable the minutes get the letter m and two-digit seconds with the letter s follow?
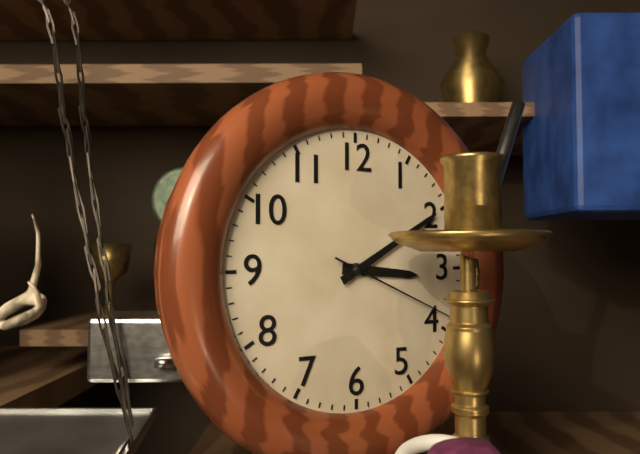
3h10m19s
